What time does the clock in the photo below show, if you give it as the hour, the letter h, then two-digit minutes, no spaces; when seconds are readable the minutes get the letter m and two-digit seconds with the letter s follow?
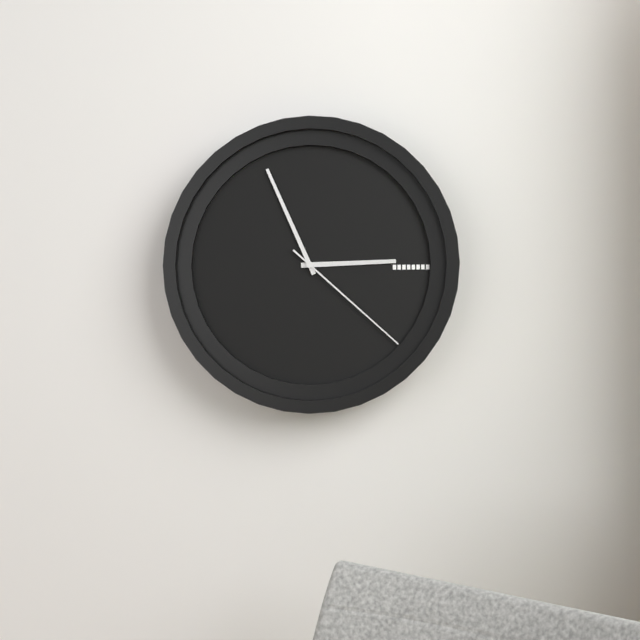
2h56m22s
